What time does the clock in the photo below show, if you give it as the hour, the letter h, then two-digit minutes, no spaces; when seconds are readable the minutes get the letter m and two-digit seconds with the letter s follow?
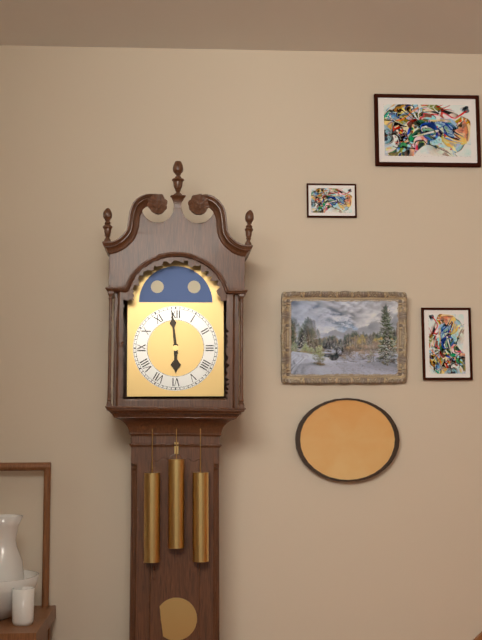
5h59
